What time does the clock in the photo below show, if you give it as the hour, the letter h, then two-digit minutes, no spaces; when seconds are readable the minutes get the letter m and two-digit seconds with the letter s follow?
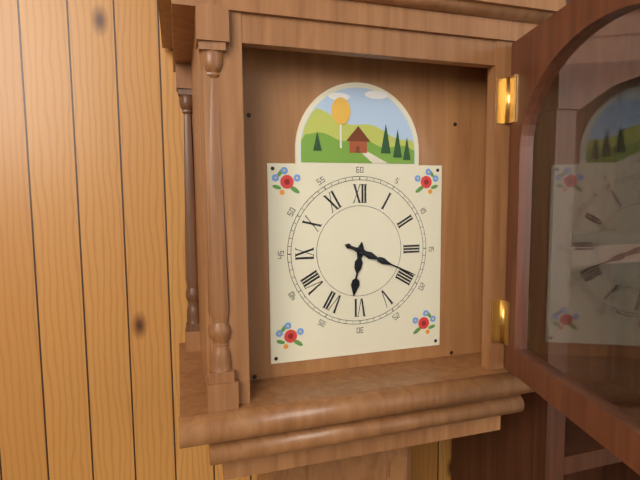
6h19
